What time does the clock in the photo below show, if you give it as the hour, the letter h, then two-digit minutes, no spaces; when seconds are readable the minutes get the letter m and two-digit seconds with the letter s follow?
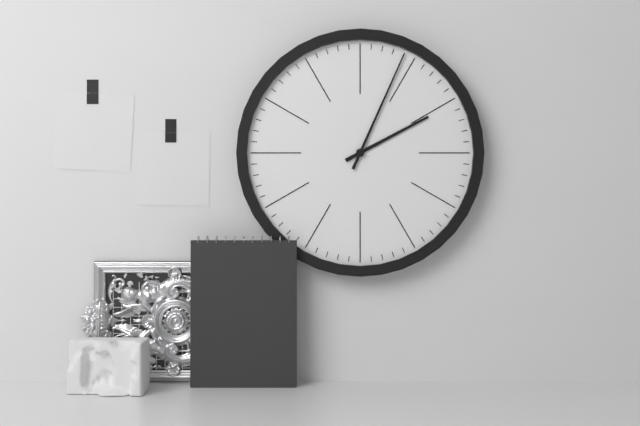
2h04
